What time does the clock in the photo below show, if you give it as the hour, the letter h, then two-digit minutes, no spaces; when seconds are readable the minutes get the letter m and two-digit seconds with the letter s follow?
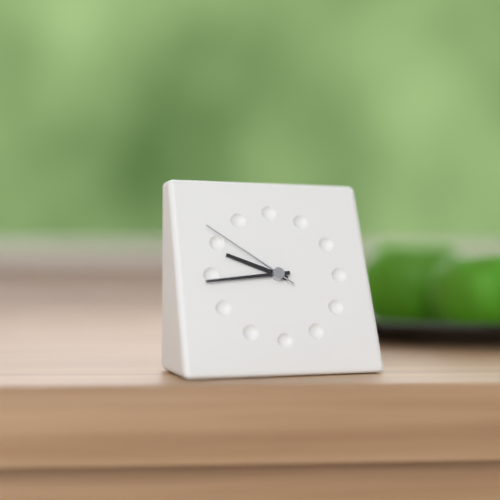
9h44m51s
